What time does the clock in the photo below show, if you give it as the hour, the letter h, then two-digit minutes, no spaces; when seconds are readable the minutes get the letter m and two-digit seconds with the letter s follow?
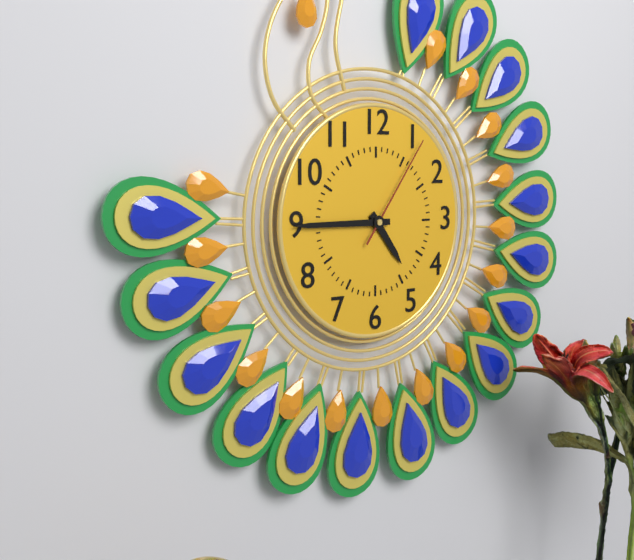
4h45m06s
